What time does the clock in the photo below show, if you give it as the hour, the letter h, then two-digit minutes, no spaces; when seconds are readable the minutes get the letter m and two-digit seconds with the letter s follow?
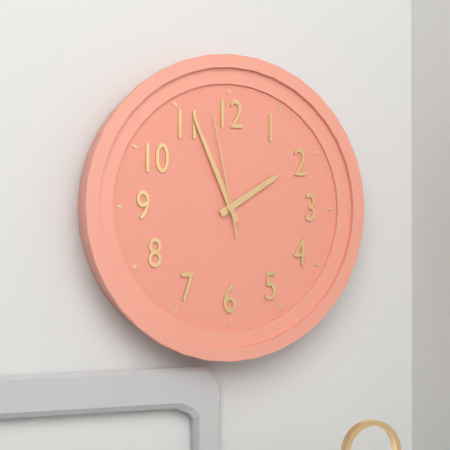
1h56m58s
